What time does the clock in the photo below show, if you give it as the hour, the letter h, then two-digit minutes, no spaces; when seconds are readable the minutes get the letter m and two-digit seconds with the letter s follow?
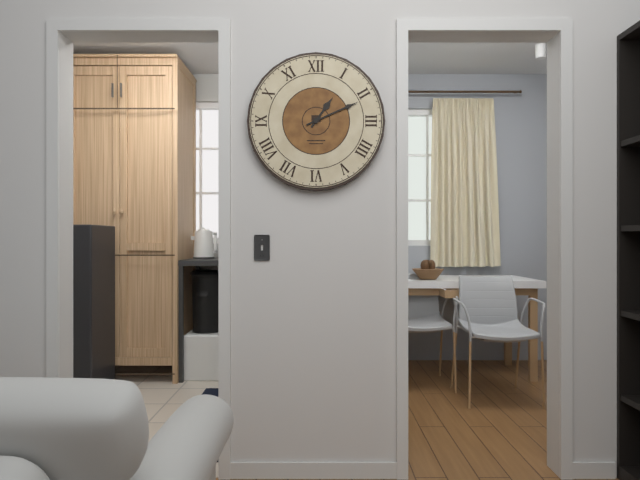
1h11
